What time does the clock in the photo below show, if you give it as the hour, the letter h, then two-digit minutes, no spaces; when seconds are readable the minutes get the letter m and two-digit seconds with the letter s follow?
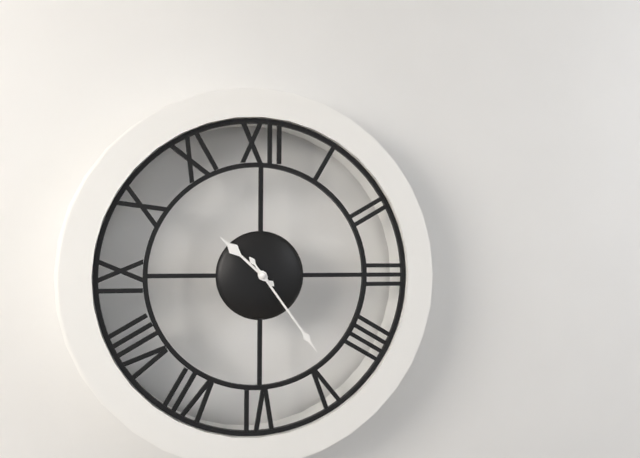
10h24
